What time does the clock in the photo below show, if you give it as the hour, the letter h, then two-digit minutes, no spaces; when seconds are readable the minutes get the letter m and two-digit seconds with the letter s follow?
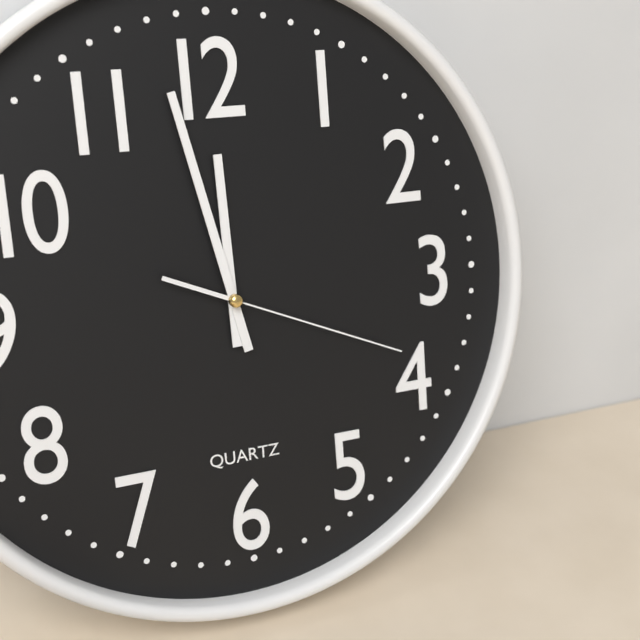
11h58m19s
